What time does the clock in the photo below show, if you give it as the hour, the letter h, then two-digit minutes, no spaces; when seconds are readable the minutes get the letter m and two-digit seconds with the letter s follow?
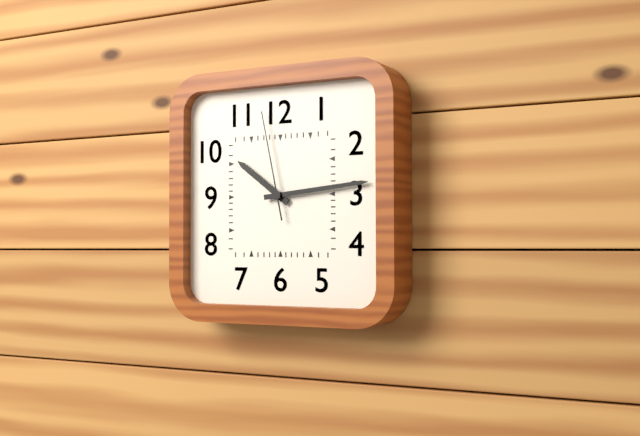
10h14m58s
